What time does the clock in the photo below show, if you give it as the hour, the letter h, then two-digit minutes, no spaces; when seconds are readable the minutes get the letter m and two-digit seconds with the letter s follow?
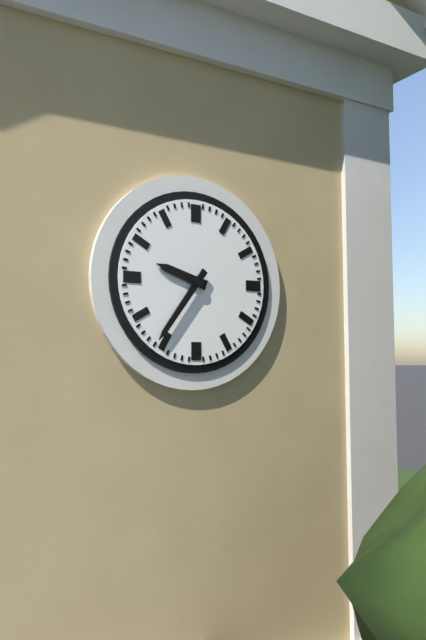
9h36
